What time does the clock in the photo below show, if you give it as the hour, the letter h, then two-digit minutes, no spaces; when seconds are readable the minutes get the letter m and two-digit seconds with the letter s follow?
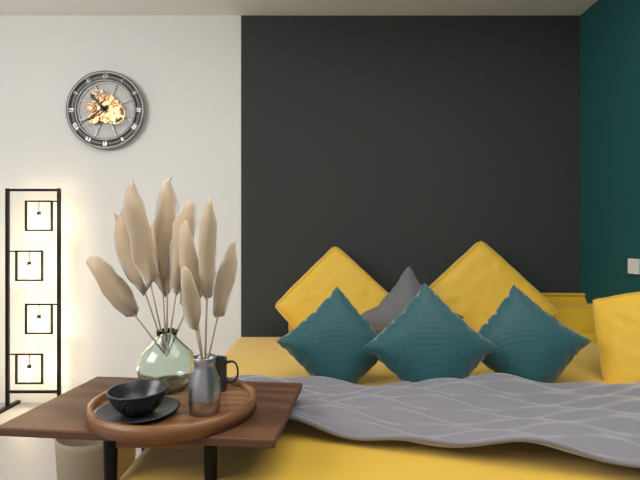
10h39
